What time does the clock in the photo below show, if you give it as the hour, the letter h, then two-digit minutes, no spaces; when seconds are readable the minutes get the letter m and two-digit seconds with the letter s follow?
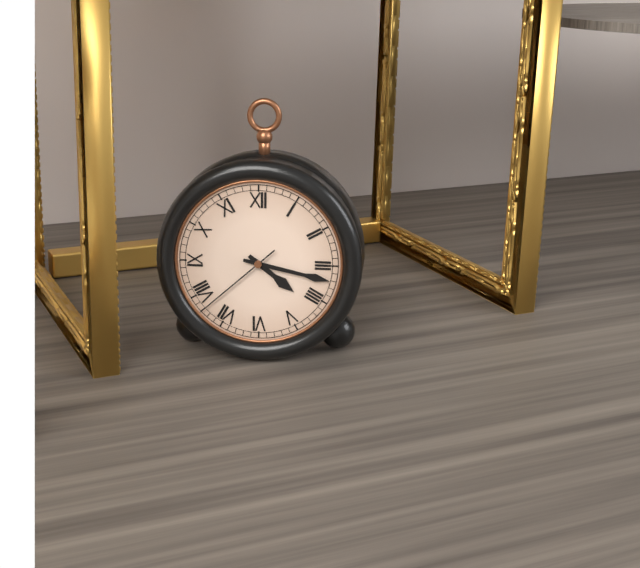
4h17m38s
